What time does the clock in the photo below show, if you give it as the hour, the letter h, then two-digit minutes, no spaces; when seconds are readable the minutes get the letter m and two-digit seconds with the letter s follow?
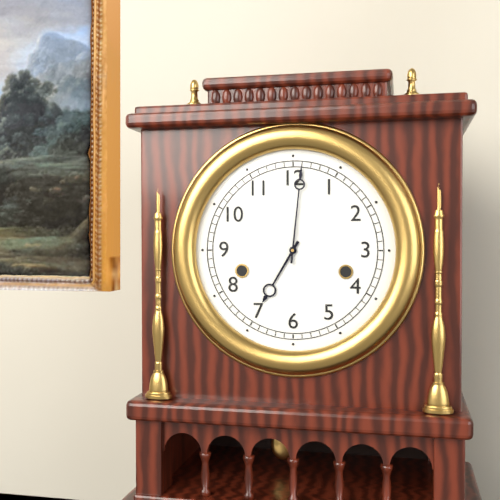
7h01
